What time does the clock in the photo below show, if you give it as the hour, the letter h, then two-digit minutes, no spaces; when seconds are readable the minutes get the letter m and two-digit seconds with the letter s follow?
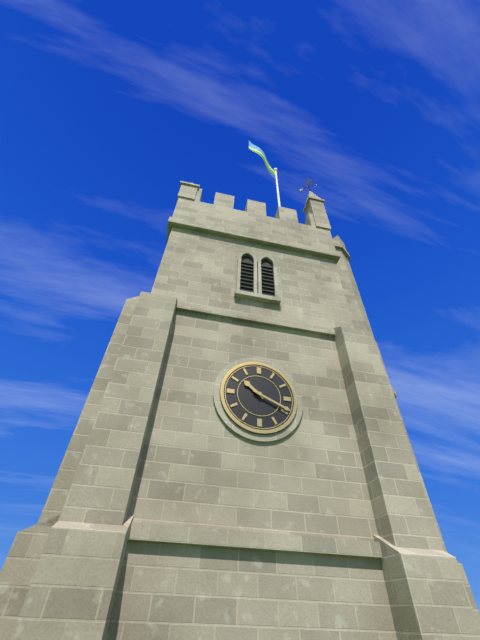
10h19
